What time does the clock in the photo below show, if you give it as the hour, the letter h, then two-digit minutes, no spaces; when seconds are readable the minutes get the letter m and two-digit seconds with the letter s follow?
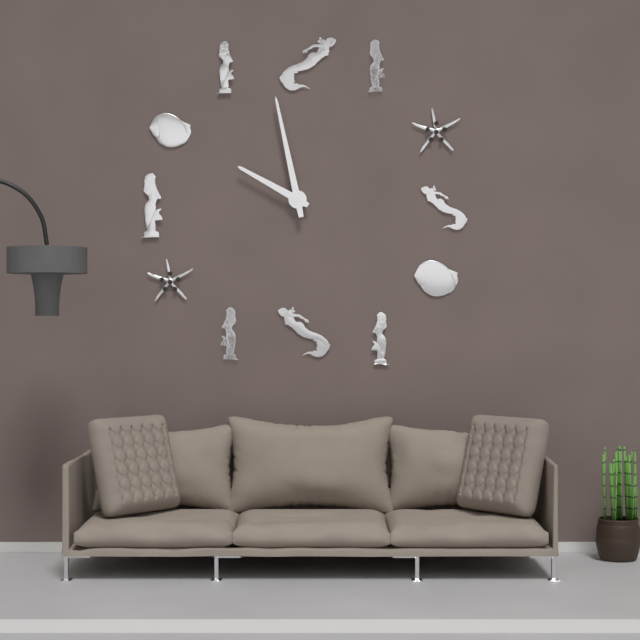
9h58
